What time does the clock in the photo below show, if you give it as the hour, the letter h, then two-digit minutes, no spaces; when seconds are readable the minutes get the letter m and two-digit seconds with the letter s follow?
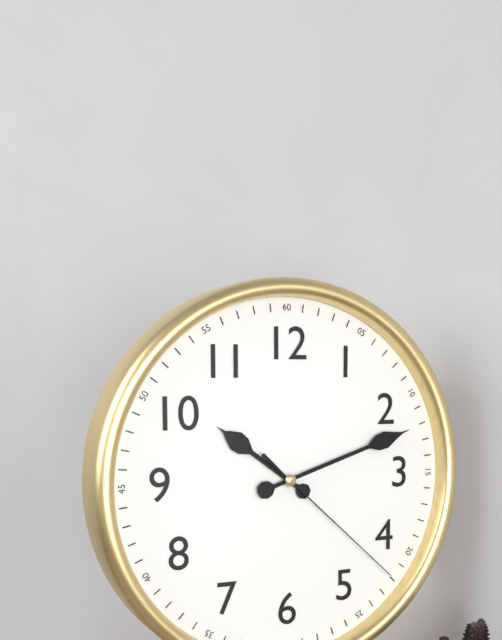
10h12m22s
